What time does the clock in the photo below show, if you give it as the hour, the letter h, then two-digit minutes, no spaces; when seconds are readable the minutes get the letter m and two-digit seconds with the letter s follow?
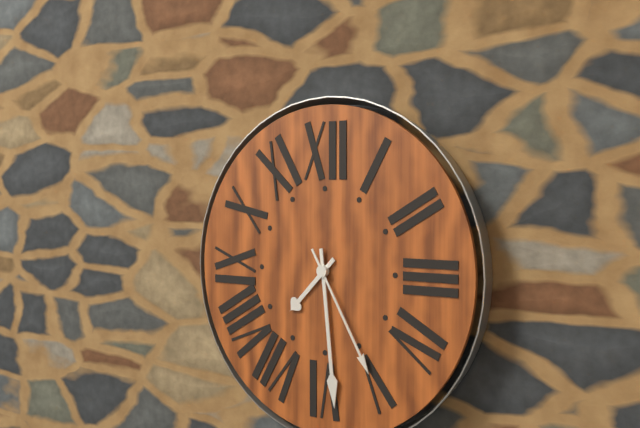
7h29m25s
